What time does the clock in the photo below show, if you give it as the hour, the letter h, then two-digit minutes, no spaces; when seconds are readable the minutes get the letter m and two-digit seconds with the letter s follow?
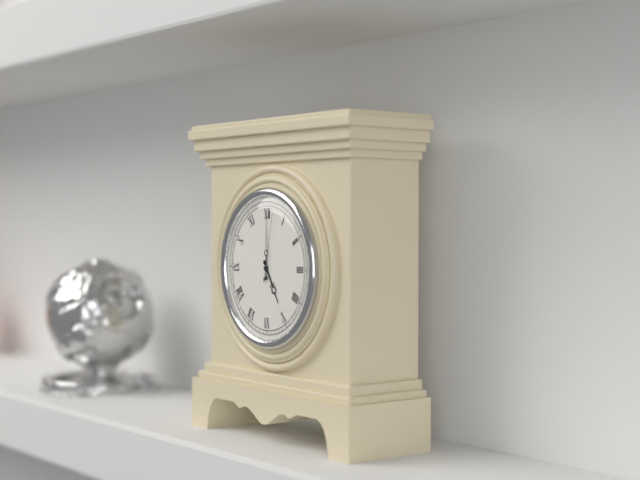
5h00m02s
